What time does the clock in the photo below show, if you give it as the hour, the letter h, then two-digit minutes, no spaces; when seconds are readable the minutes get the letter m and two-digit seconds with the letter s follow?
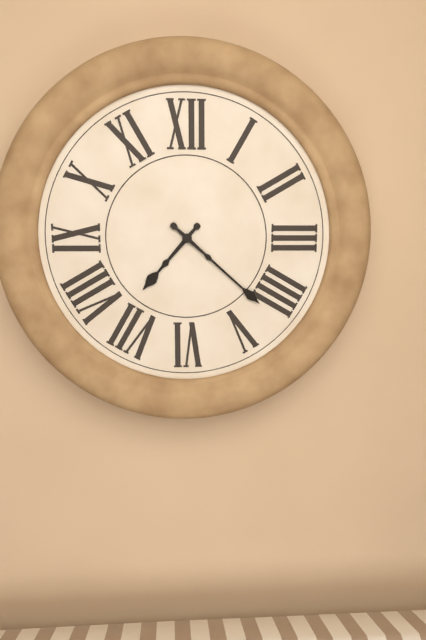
7h22
